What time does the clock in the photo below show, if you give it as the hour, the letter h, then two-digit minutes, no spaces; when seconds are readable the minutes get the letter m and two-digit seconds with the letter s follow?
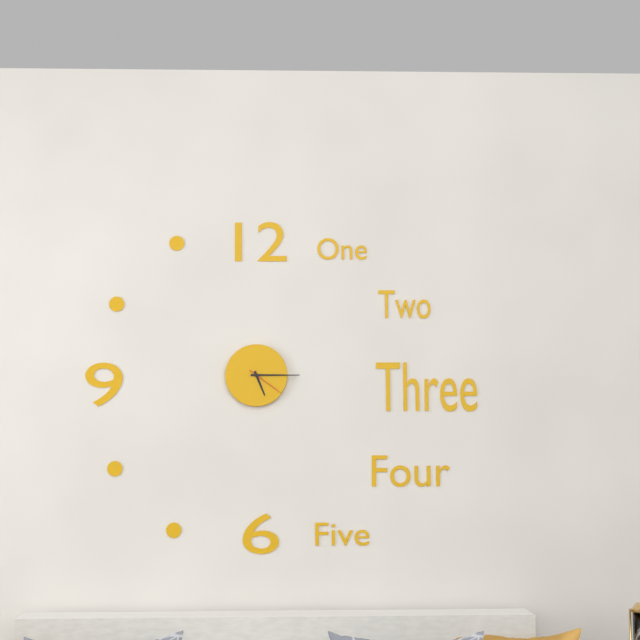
5h15
